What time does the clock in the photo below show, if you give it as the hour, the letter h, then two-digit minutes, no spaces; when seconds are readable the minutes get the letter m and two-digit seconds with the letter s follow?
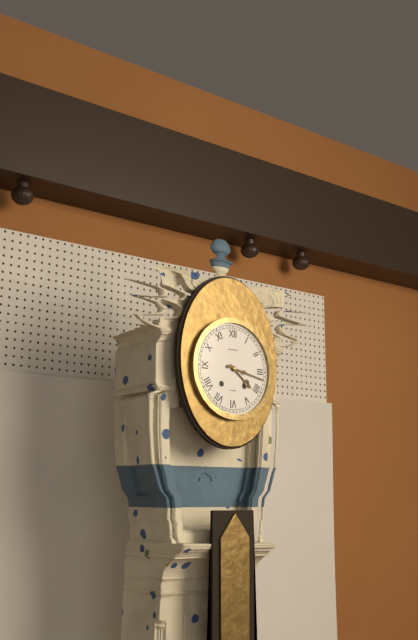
4h17
